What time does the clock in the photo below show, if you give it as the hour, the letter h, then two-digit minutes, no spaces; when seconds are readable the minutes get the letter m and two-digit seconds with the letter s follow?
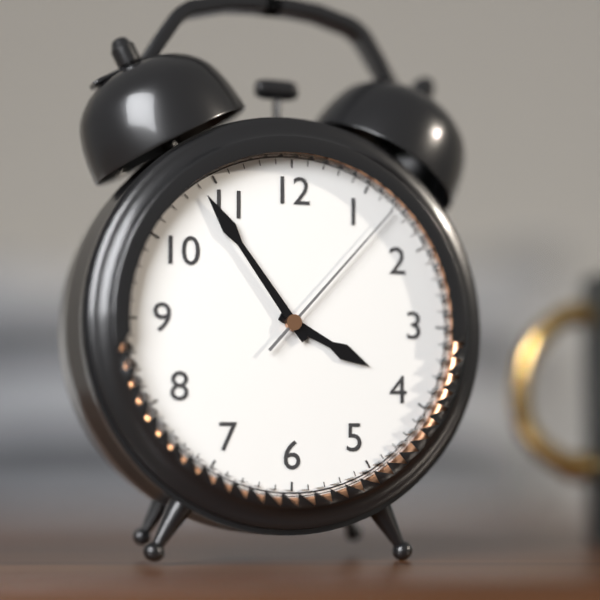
3h54m07s
